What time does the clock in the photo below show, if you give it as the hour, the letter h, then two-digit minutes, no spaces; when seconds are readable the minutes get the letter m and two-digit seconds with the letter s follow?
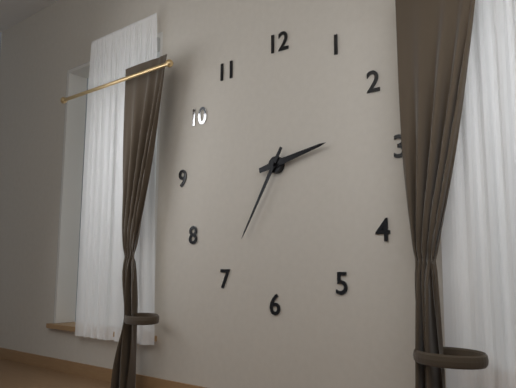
2h35
